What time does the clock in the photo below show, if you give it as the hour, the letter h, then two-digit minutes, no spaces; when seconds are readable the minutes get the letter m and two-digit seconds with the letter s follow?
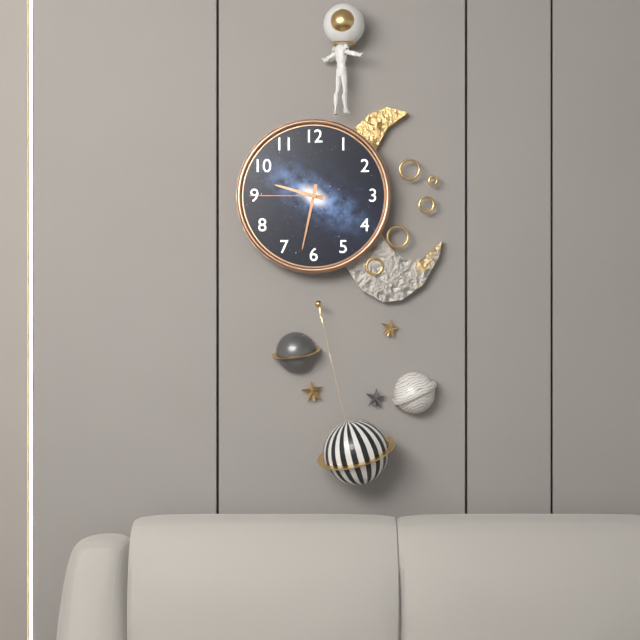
9h32m45s
